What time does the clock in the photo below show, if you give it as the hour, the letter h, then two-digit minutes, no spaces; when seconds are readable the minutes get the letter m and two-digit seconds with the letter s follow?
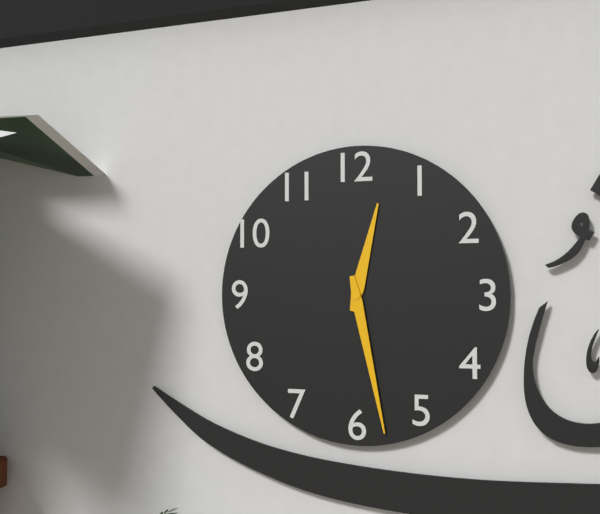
12h28
